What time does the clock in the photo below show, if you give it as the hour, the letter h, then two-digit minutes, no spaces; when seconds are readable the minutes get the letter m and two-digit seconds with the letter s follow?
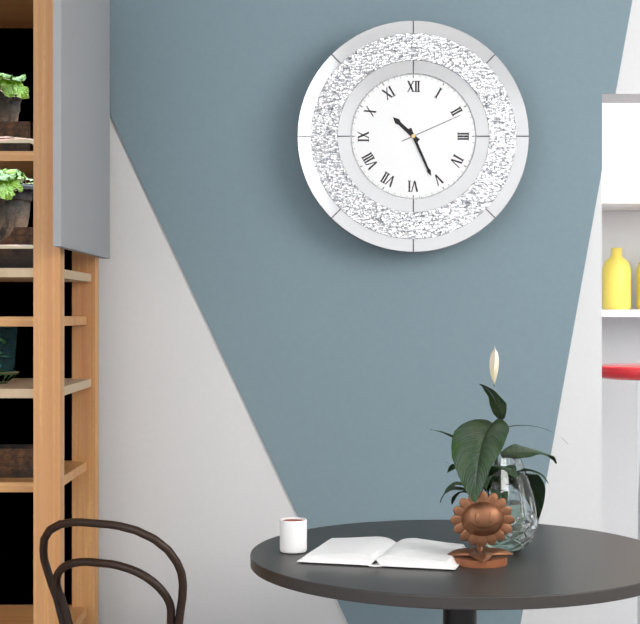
10h26m11s
